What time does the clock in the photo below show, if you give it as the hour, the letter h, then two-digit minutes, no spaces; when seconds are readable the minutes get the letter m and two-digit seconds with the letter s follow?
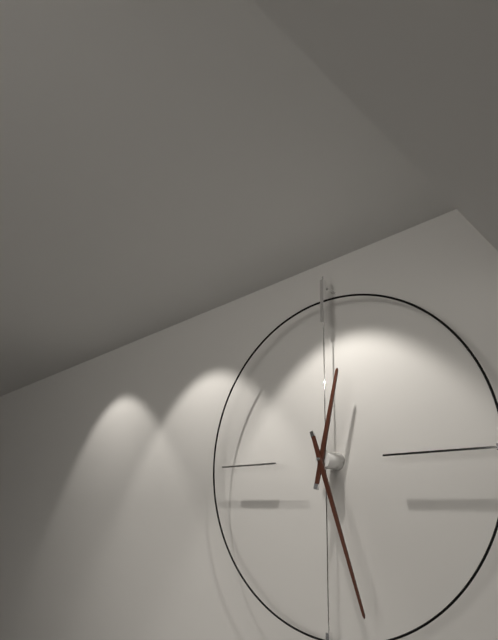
12h27
